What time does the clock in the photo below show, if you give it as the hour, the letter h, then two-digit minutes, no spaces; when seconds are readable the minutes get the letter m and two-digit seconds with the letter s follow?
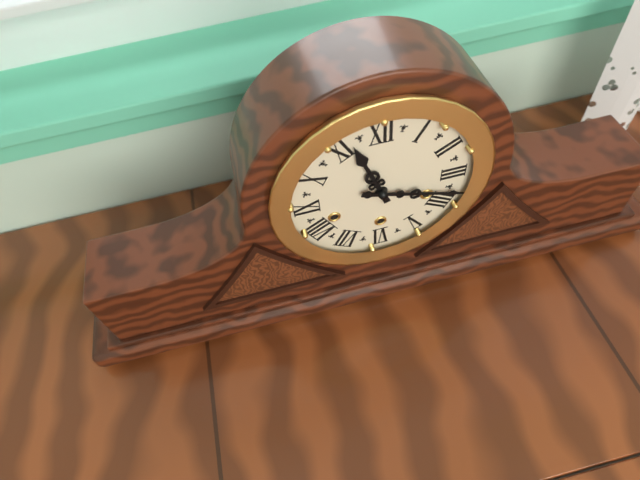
11h18
